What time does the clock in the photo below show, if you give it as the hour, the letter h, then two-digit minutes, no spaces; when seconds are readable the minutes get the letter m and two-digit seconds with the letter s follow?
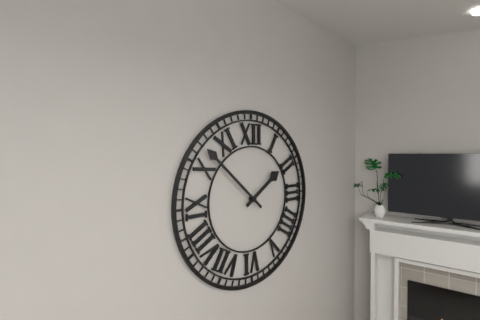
1h52
